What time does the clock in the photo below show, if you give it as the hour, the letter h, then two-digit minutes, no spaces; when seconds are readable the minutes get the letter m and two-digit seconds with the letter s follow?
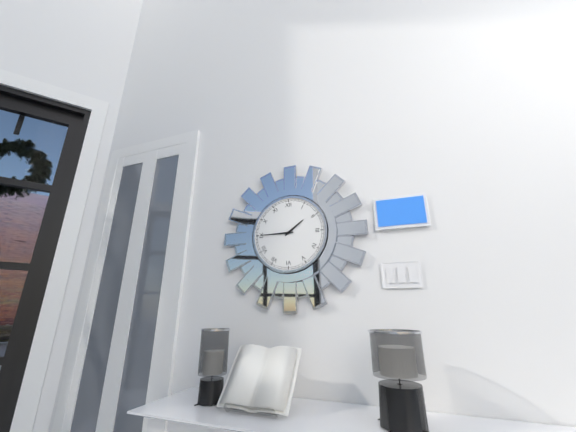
1h45
